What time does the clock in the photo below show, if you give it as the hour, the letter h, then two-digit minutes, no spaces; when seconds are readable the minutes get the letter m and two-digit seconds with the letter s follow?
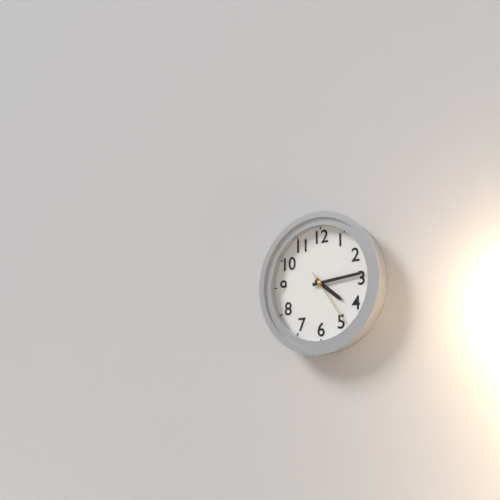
4h14m24s
